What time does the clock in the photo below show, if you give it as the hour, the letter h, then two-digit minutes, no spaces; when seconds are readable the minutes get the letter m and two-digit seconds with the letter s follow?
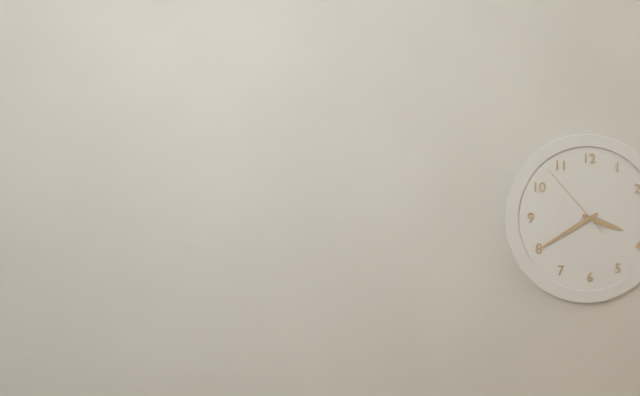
3h40m53s
